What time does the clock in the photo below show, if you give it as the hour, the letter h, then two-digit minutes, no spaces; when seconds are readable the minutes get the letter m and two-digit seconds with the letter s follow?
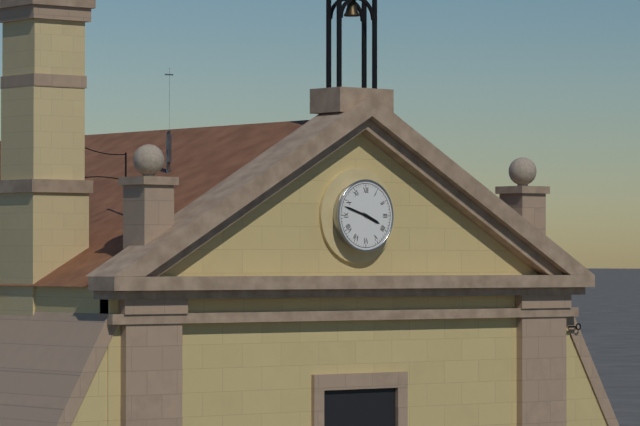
3h48
